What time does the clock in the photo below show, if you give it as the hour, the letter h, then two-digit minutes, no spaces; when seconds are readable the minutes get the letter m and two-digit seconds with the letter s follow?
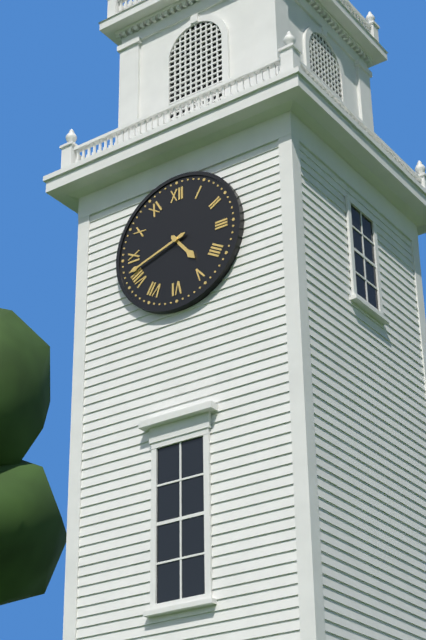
4h42
